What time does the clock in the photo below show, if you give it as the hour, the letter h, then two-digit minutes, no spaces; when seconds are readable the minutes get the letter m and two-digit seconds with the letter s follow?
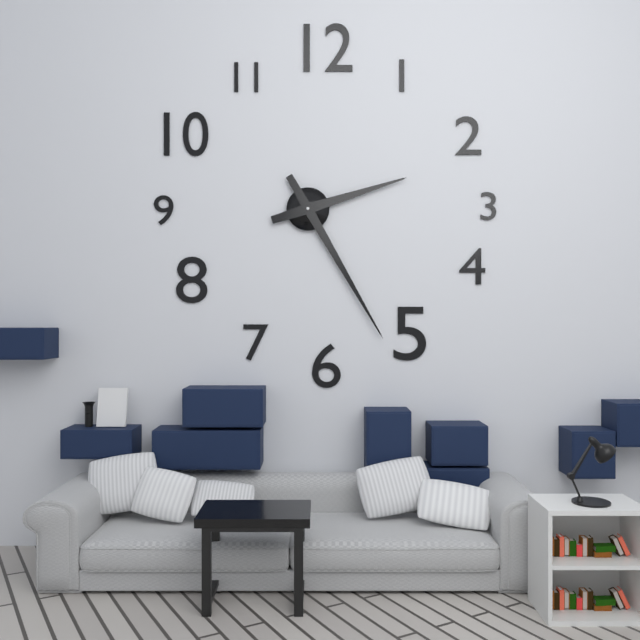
2h25
